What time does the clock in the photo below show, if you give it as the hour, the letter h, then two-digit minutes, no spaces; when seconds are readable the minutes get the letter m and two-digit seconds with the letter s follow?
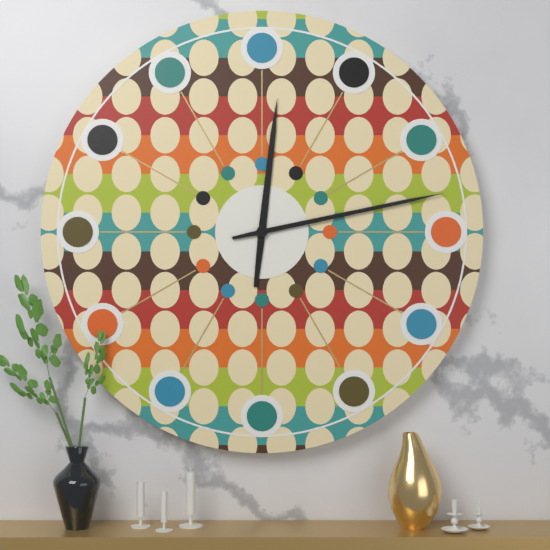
12h13
